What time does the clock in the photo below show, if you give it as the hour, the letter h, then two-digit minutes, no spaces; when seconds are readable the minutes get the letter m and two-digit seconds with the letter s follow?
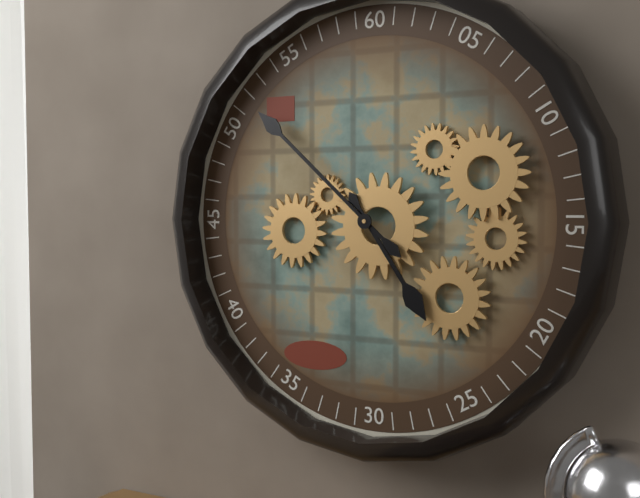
4h52
